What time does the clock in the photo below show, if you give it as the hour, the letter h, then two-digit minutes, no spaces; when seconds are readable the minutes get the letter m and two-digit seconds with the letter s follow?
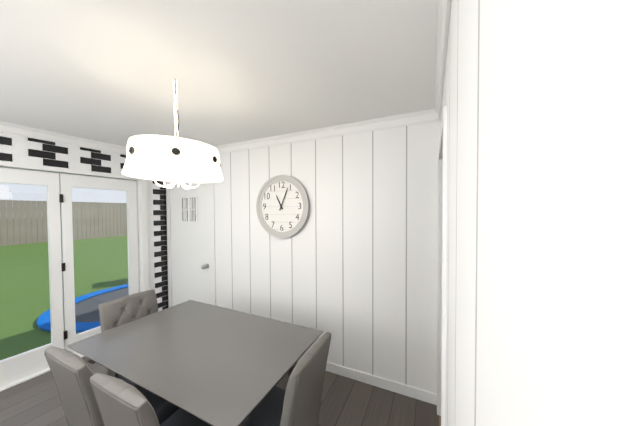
11h04
